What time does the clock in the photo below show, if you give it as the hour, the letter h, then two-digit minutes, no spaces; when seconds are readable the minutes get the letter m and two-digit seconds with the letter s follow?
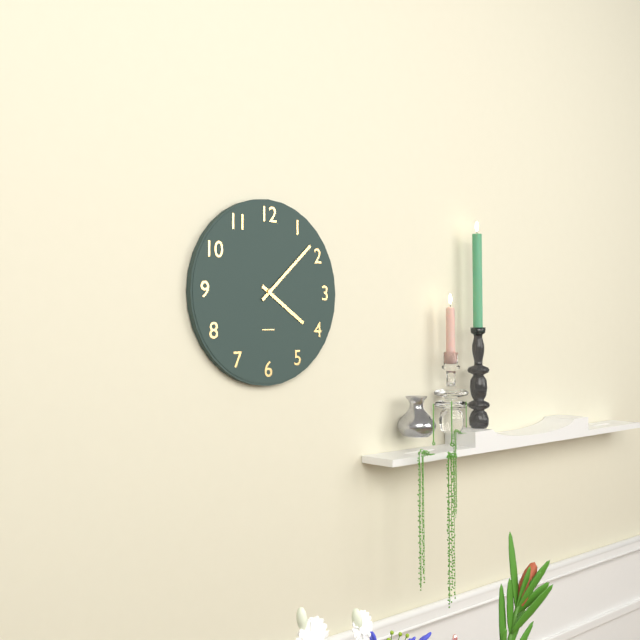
4h08
